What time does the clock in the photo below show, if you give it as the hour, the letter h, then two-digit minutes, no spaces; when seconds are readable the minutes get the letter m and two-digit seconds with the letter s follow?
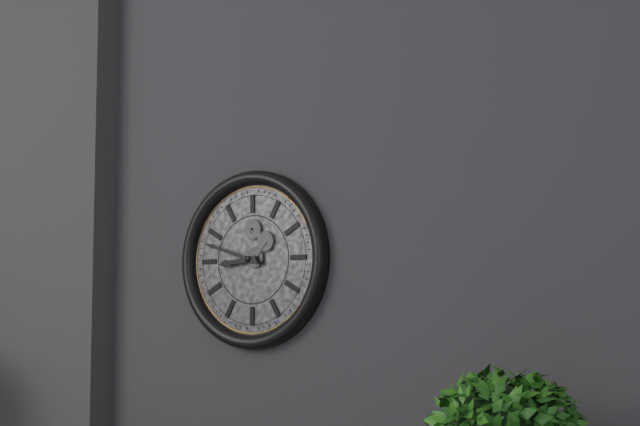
8h48
